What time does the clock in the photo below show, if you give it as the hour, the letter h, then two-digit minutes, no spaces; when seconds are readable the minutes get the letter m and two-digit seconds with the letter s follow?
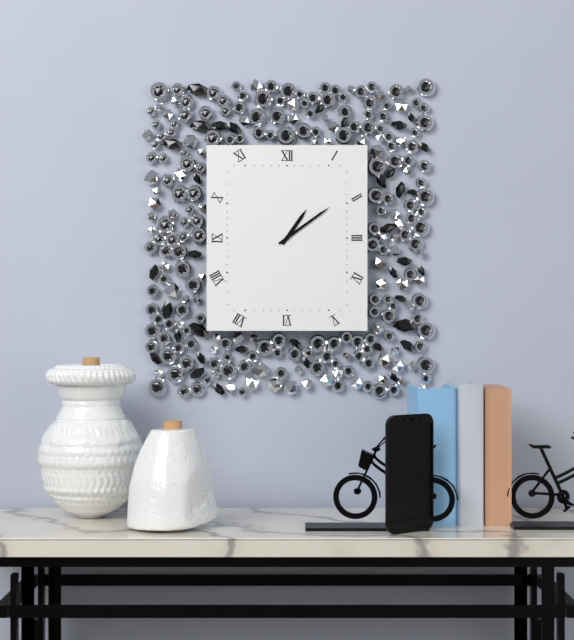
1h09
